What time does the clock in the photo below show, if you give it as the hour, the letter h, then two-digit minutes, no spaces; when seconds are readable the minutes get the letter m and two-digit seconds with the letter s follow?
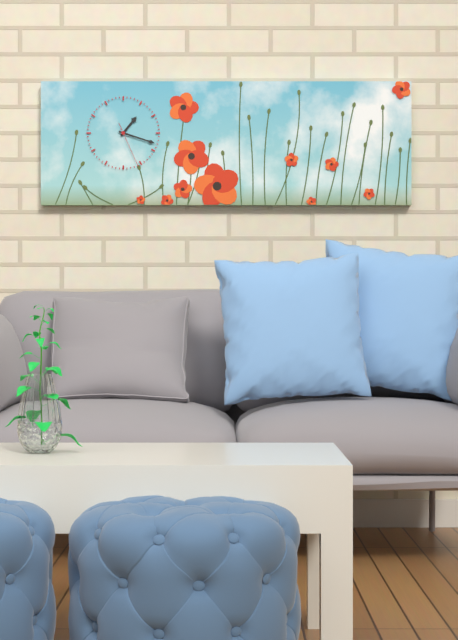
1h18
